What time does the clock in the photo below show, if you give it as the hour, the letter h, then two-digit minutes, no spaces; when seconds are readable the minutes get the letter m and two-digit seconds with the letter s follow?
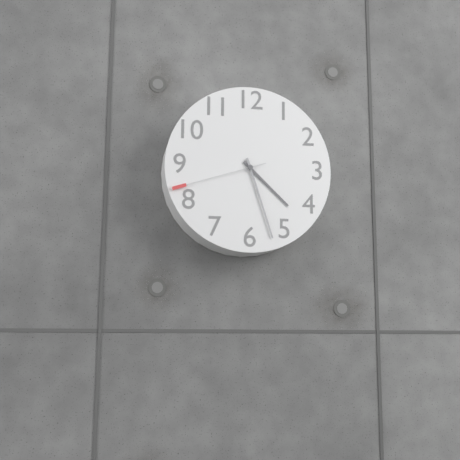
4h27m42s
